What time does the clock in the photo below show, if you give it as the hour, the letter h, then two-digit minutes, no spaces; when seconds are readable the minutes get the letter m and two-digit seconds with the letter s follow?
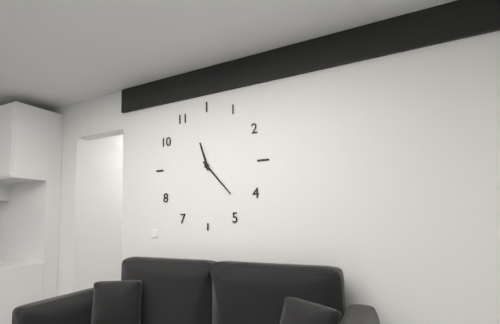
11h23
